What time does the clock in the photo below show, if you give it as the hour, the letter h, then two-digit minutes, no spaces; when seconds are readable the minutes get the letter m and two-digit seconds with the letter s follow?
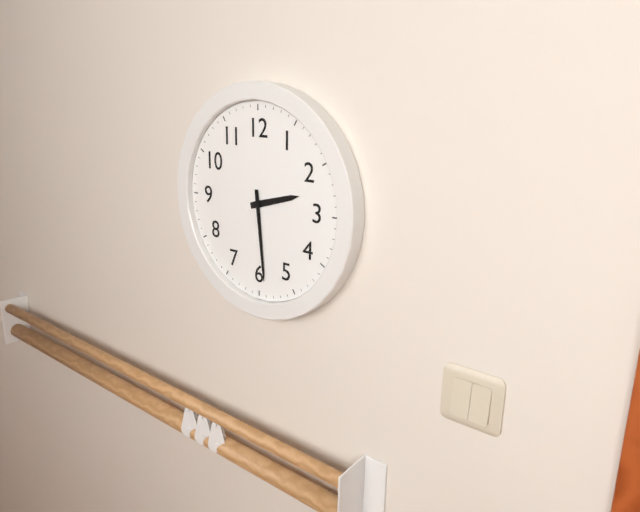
2h29
